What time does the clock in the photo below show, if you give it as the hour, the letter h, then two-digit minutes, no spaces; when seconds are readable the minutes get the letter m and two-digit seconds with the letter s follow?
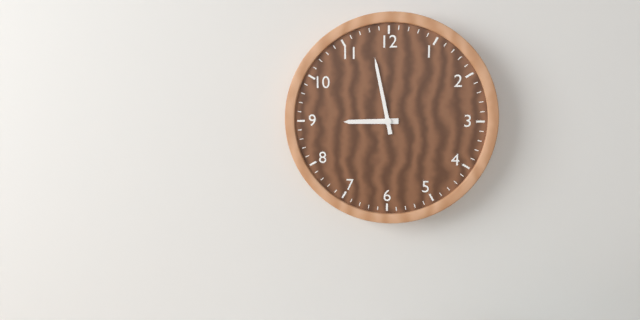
8h58
